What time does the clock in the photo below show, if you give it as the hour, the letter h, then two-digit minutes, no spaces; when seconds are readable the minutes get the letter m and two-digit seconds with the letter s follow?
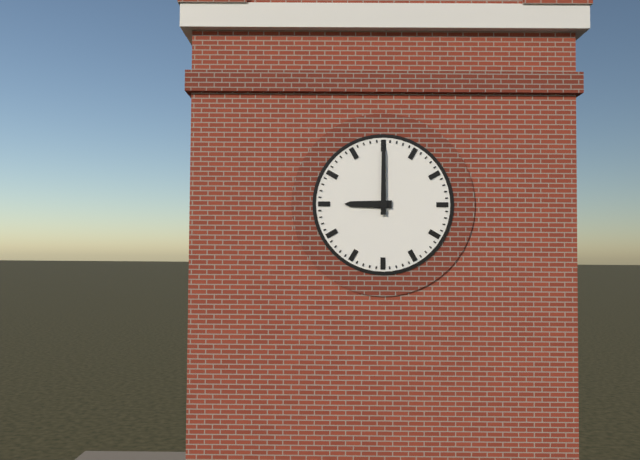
9h00
